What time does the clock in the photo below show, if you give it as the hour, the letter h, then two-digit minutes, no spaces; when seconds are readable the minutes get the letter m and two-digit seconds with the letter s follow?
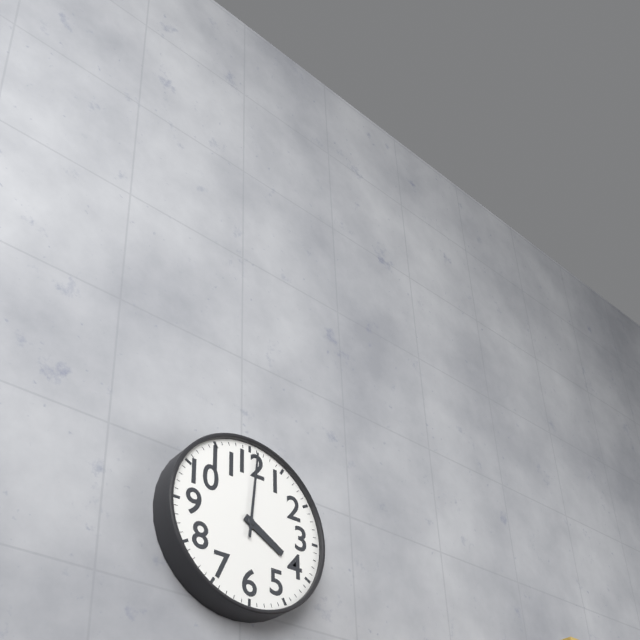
4h01
